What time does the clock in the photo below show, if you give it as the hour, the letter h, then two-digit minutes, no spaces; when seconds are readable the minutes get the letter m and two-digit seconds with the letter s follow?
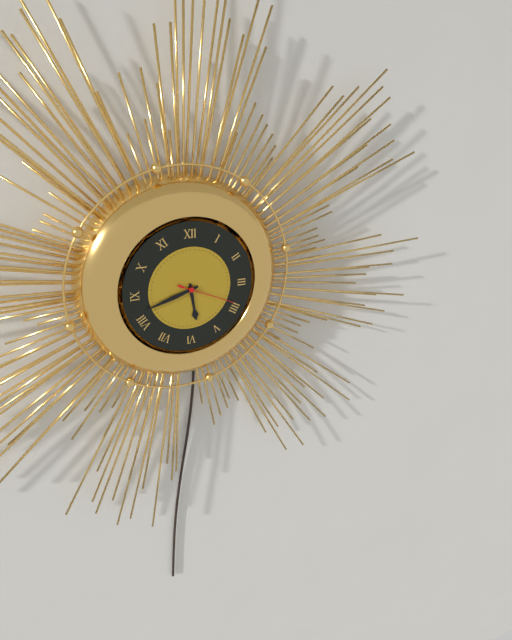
5h42m19s
